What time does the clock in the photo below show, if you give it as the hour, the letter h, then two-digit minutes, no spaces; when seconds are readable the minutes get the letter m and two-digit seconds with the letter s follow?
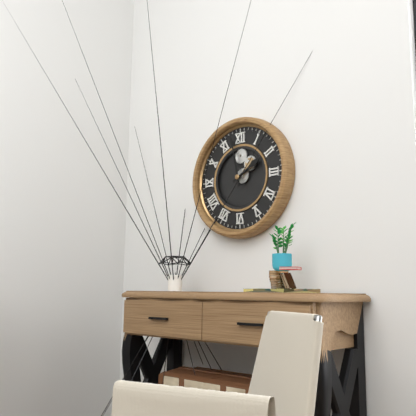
1h58
